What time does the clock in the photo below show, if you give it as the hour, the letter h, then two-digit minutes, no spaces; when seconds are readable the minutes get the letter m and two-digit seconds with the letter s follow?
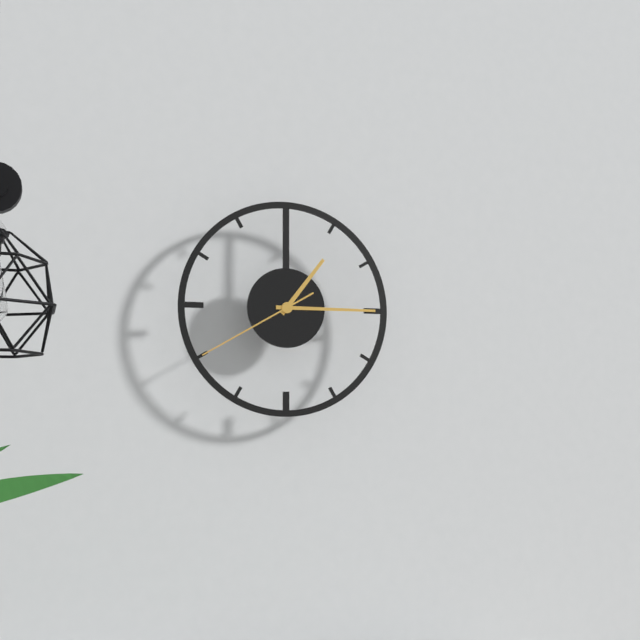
1h15m40s
